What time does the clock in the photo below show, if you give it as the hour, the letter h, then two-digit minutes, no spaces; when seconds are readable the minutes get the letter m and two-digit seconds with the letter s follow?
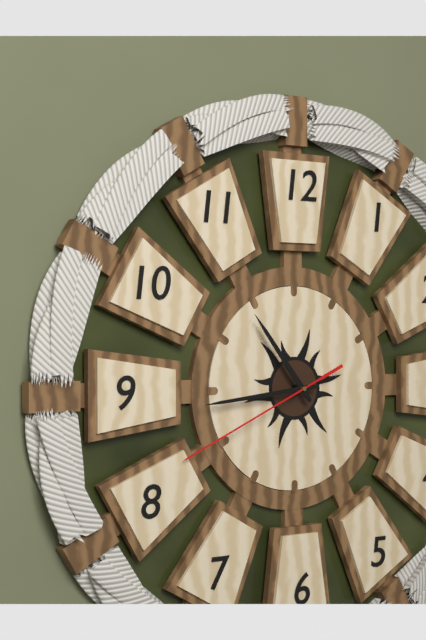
10h44m41s
